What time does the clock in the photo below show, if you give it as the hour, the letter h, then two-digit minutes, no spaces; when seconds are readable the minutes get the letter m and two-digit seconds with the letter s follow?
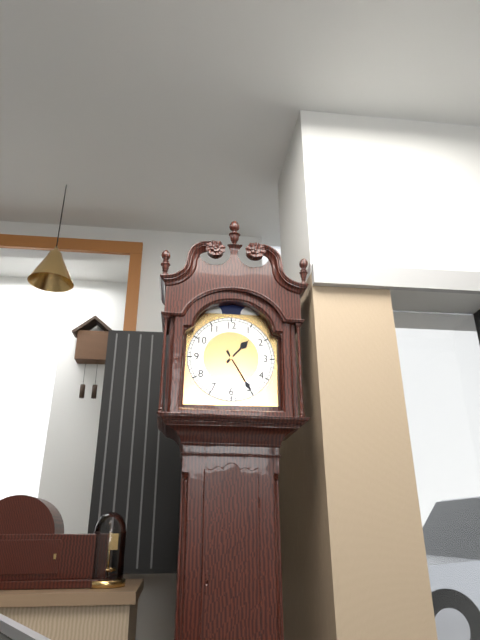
1h25
